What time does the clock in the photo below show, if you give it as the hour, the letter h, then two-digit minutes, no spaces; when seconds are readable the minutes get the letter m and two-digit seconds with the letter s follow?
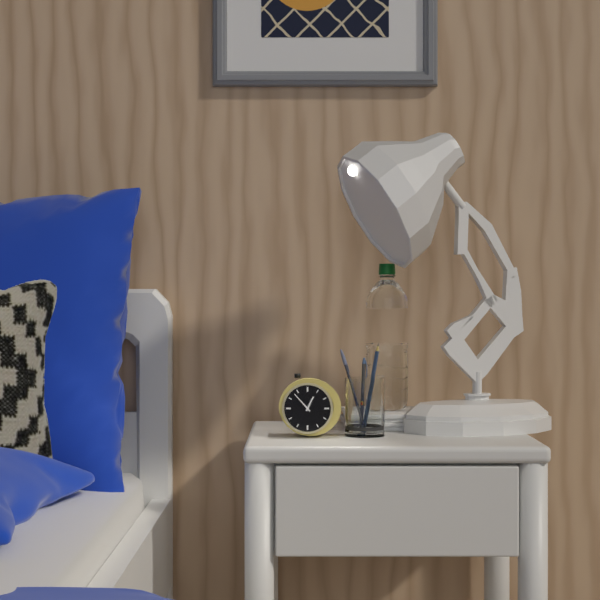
12h53
